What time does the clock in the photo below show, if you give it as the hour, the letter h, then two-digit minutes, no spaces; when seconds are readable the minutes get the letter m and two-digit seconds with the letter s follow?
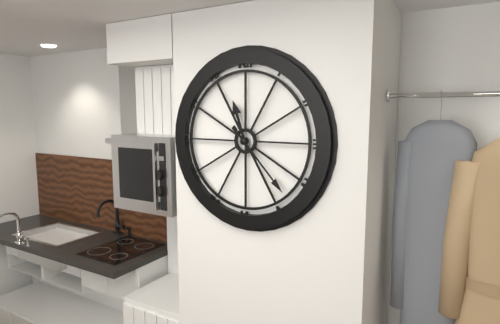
11h23
